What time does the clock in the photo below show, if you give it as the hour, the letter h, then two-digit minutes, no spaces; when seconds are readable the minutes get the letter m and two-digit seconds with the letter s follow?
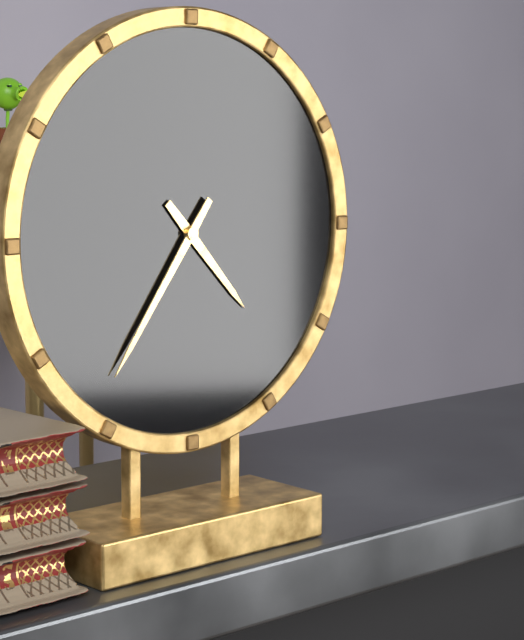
4h36
